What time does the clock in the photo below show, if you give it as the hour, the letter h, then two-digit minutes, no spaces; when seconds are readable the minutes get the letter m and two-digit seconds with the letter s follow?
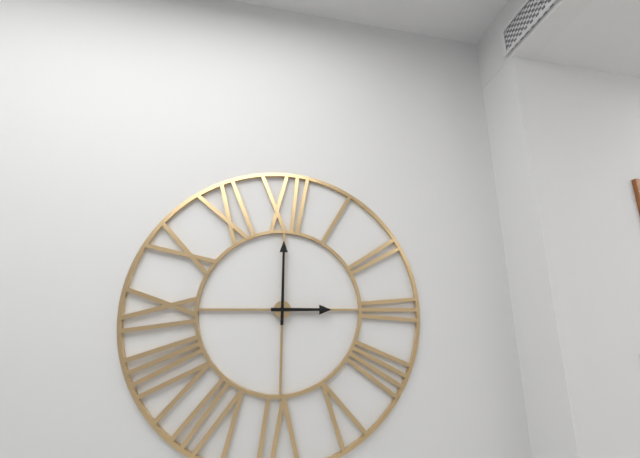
3h00
